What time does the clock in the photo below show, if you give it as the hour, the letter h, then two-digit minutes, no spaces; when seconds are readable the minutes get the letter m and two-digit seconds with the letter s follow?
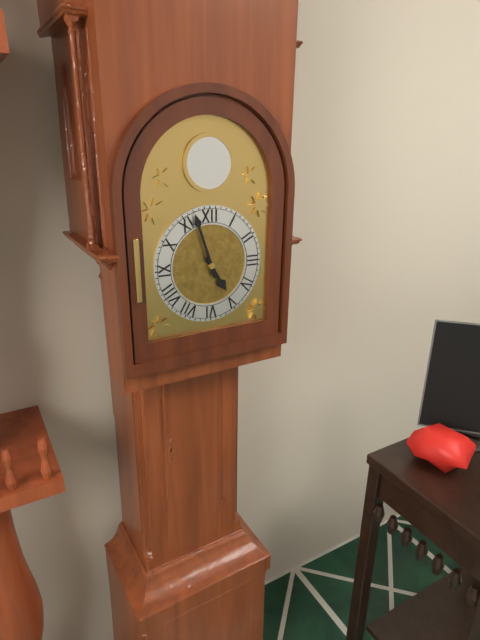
4h57
